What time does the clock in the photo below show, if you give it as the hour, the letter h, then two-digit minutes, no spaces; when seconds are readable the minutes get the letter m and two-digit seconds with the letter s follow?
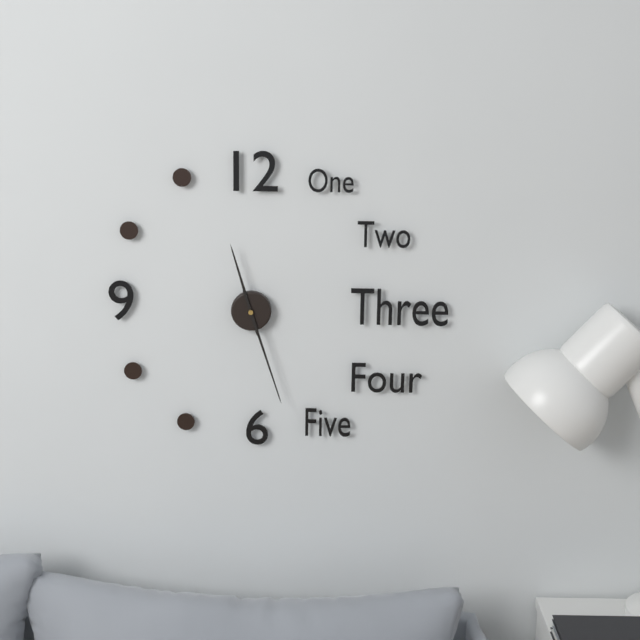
11h27
